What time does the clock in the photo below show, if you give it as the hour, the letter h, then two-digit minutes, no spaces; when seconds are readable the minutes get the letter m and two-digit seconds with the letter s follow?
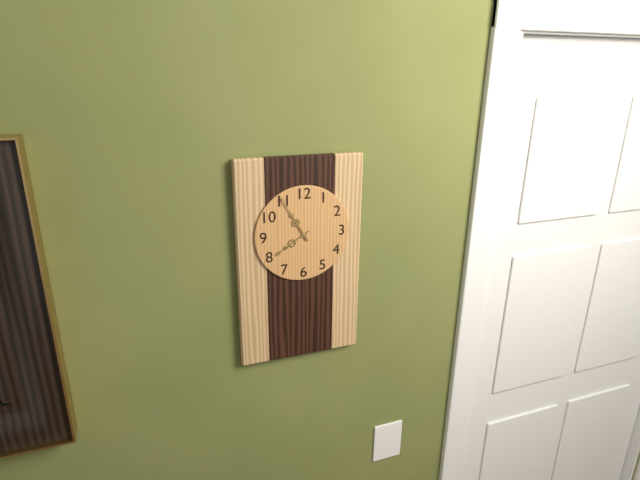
7h55
